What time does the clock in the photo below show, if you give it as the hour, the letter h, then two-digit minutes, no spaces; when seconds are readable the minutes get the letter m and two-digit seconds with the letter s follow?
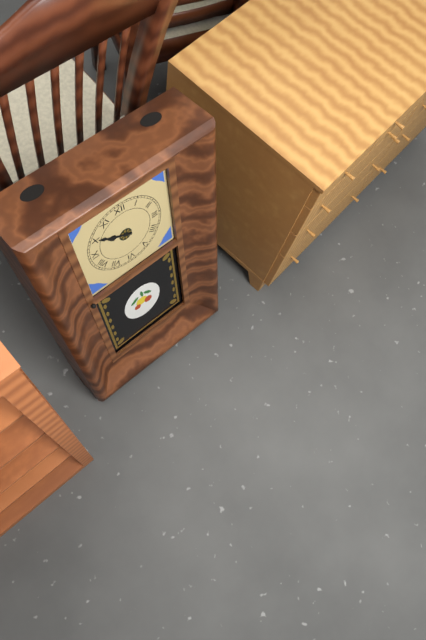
9h50
